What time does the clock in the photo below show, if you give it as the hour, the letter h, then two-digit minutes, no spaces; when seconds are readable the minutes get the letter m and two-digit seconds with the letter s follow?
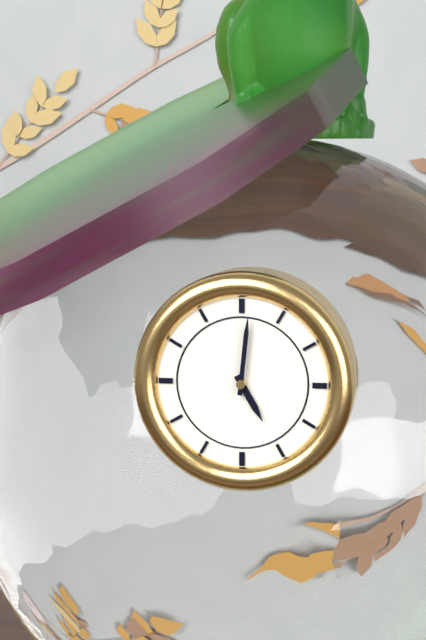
5h01
